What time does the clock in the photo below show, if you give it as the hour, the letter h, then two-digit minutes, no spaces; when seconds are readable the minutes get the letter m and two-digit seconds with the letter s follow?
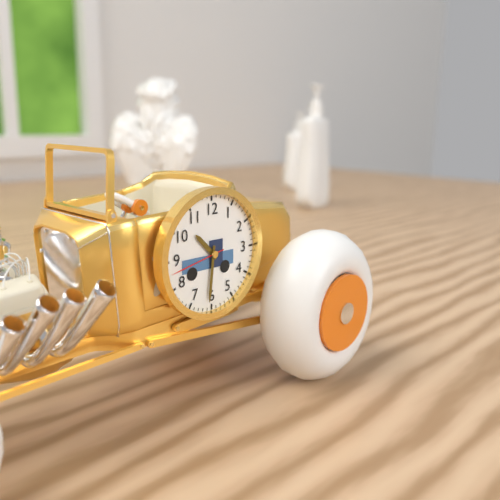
10h31m43s
